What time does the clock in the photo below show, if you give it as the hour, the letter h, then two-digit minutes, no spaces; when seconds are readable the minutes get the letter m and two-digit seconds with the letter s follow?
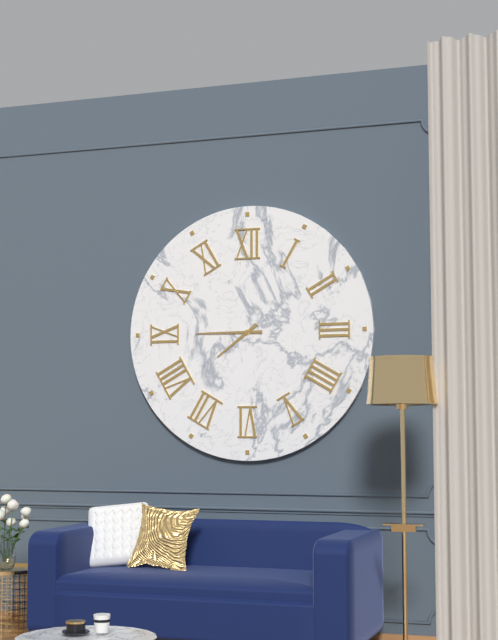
7h45
